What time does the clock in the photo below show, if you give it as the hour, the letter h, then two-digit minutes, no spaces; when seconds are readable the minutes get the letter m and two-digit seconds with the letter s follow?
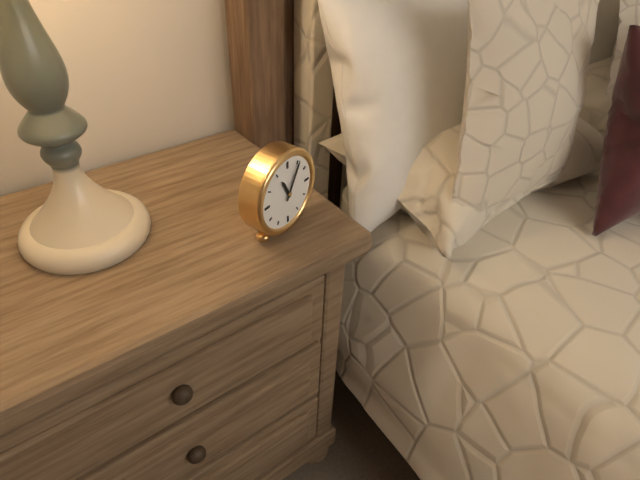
11h05
